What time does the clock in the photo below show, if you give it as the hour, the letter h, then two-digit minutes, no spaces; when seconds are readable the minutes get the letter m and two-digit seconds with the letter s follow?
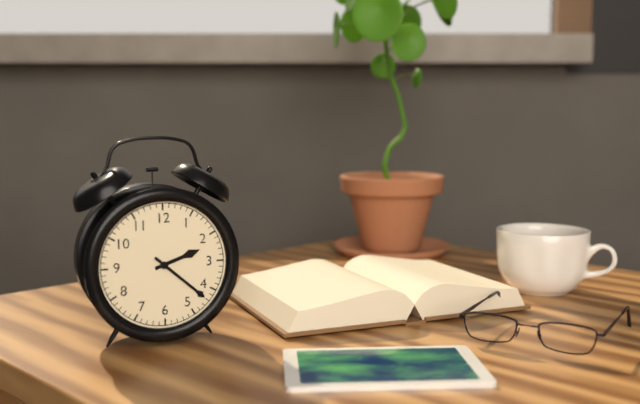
2h22
